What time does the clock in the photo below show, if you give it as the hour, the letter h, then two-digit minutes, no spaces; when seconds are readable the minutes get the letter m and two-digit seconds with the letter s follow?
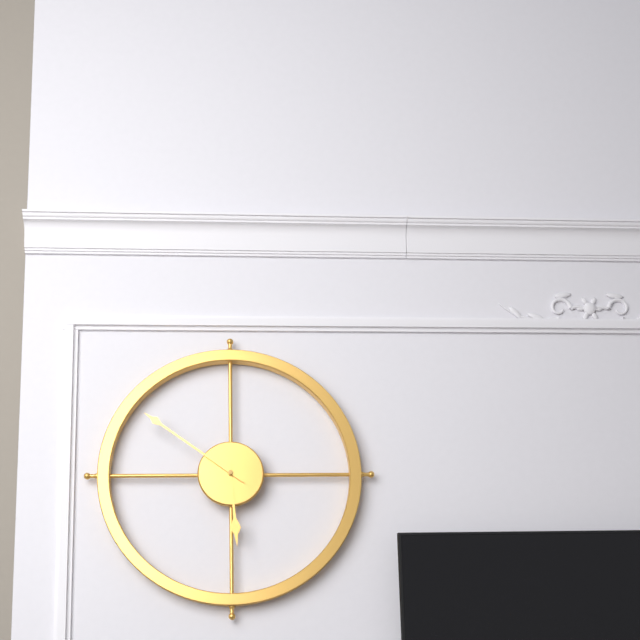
5h51
